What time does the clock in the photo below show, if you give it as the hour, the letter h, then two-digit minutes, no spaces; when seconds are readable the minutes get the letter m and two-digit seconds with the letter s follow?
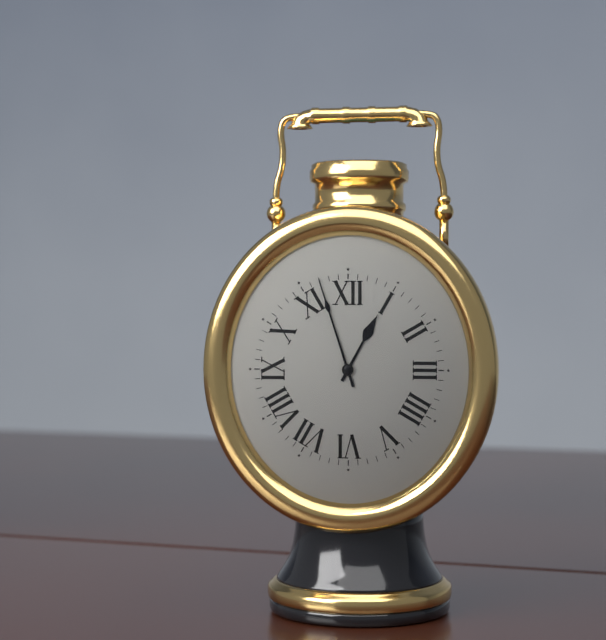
12h57
